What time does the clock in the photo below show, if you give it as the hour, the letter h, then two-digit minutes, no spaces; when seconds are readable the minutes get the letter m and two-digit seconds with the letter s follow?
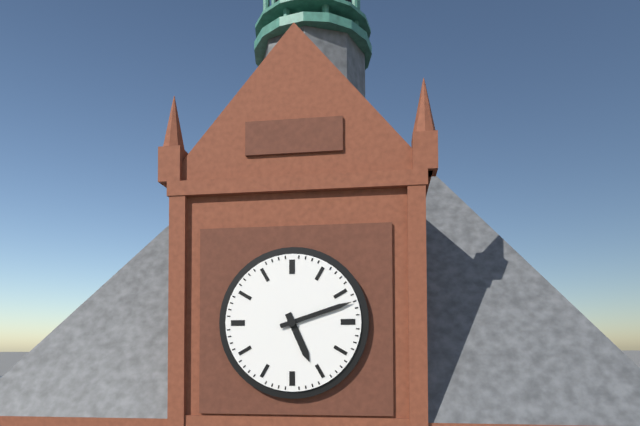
5h12
